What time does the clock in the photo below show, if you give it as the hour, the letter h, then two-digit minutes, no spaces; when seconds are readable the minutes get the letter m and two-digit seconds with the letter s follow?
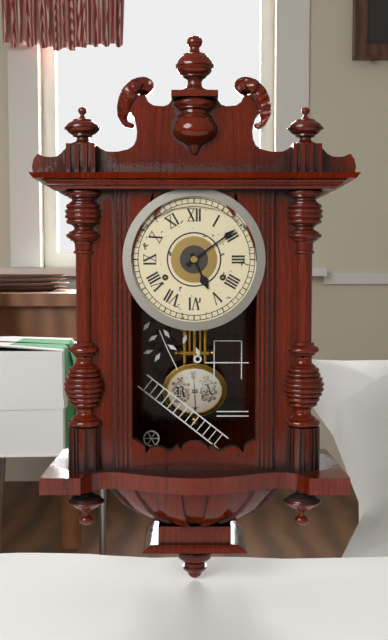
5h09
